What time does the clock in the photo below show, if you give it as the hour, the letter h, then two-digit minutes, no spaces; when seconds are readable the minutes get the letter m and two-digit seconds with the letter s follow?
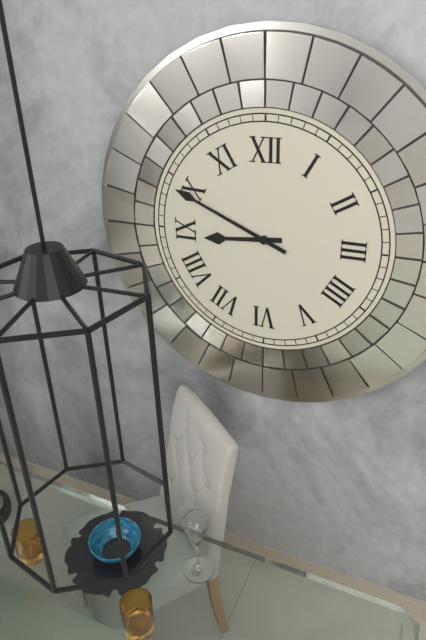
8h49
